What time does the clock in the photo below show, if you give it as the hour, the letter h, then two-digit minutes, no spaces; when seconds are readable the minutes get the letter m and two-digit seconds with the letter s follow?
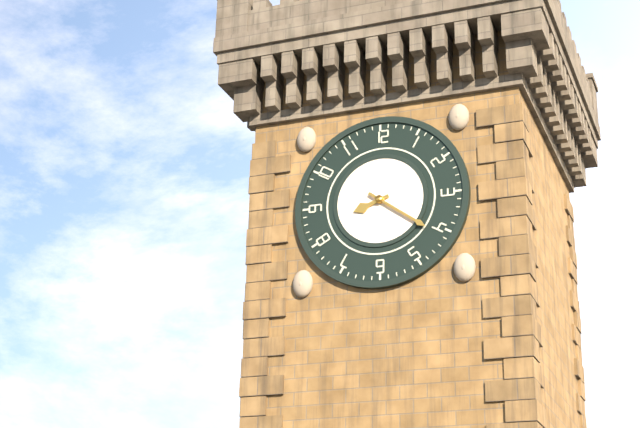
8h21
